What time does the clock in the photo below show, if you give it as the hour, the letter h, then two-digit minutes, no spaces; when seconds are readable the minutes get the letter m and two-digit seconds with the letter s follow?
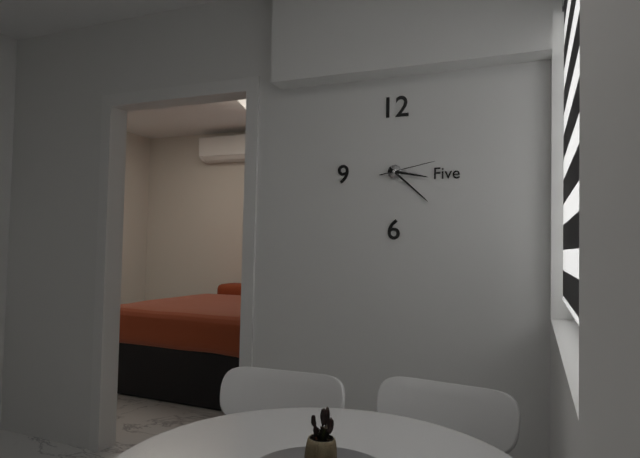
3h22m13s
